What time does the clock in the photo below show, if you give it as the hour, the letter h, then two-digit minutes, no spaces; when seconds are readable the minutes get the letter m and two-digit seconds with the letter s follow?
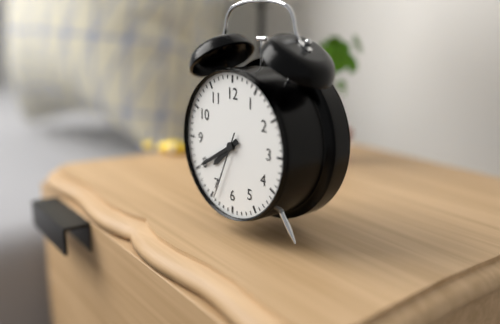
7h40m34s
